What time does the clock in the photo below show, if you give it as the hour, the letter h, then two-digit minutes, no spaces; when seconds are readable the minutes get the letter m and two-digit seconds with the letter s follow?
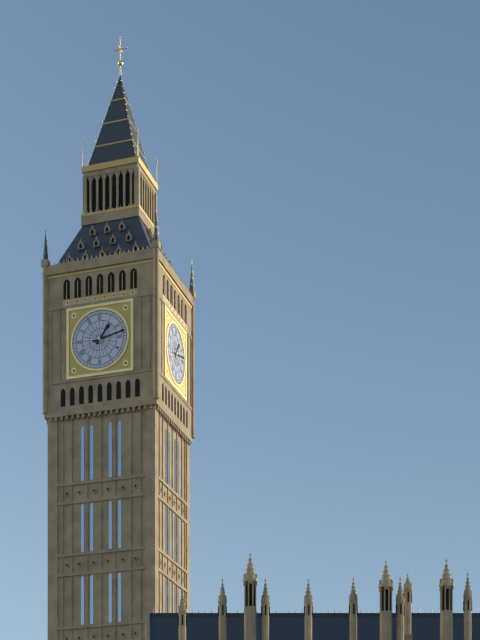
1h13
